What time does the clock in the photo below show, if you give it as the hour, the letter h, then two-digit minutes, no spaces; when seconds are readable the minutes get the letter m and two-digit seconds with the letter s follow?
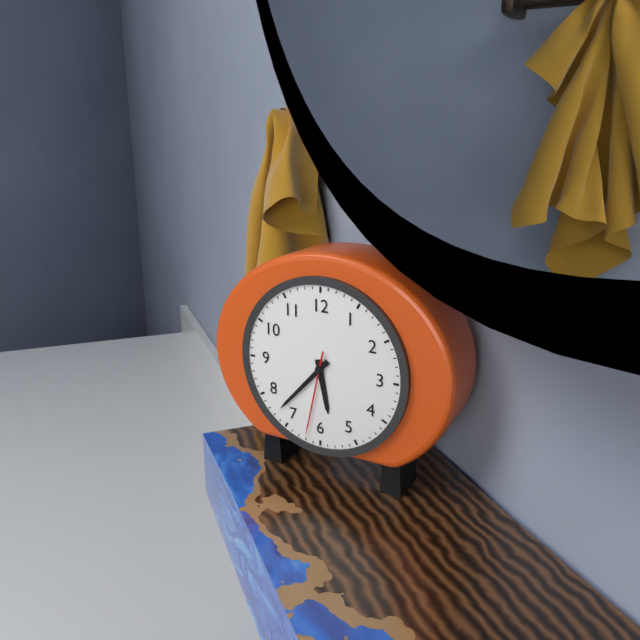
5h37m32s
